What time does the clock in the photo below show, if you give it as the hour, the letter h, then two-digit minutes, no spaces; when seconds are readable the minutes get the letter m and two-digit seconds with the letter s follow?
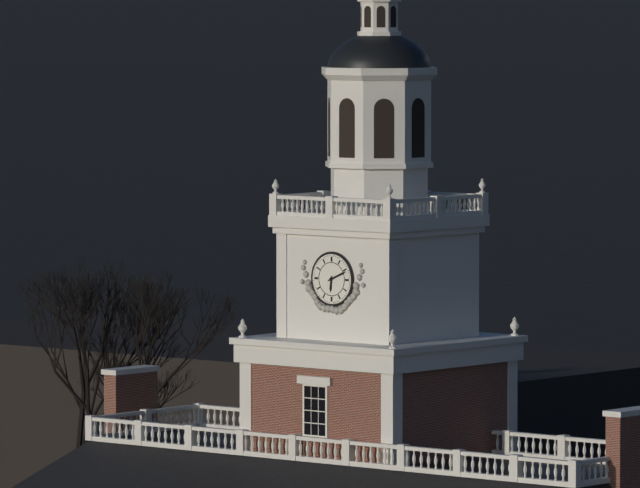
6h11
